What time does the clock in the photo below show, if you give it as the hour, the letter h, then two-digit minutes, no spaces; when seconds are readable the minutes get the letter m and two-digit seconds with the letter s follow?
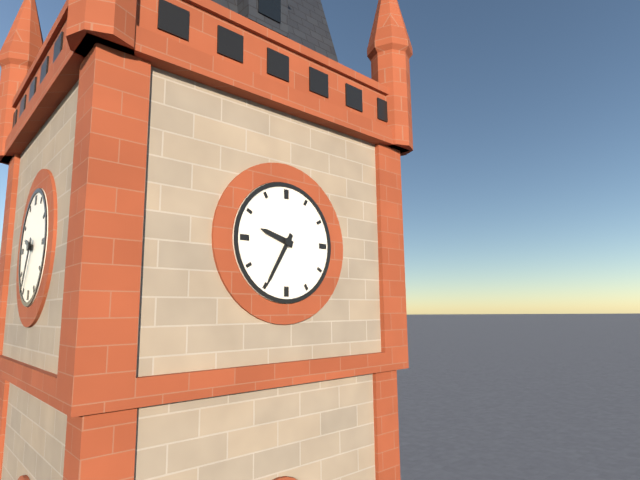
9h35
